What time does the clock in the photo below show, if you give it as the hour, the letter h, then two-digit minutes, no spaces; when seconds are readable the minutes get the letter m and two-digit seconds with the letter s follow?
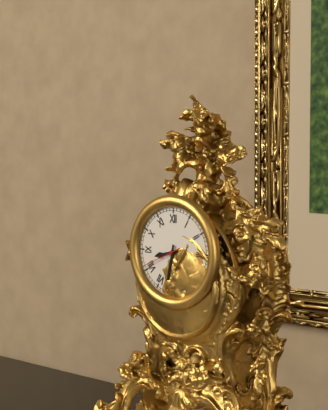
8h32
